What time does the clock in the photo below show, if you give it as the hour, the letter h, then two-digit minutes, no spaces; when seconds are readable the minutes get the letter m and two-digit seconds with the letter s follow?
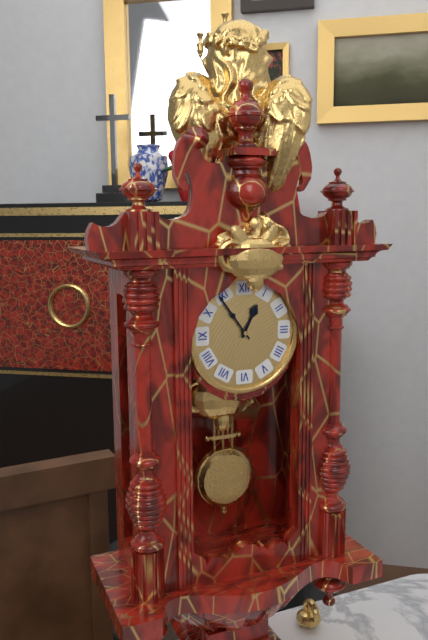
12h54
